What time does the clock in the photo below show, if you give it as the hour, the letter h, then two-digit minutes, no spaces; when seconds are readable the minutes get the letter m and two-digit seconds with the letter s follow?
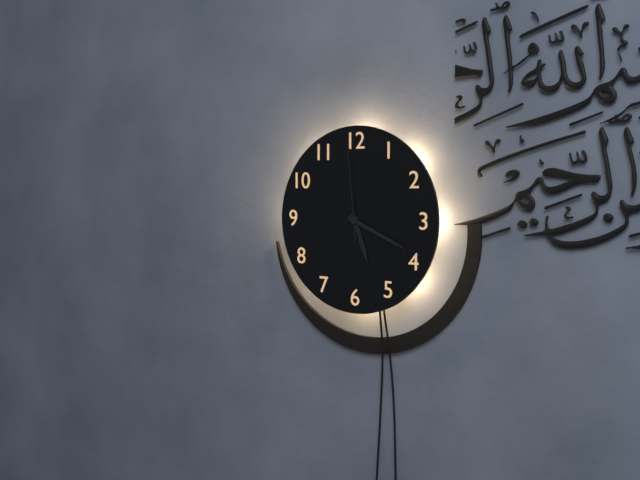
5h19m59s
